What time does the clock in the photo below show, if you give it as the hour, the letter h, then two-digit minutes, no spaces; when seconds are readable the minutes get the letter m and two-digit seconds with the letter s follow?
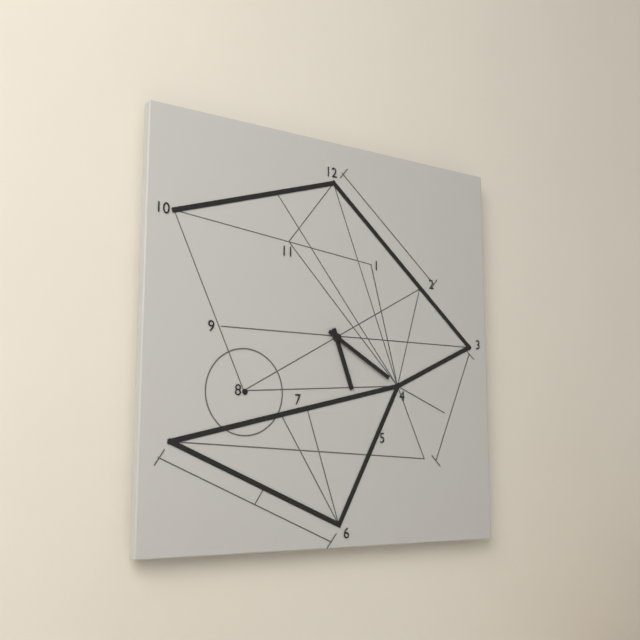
5h20
